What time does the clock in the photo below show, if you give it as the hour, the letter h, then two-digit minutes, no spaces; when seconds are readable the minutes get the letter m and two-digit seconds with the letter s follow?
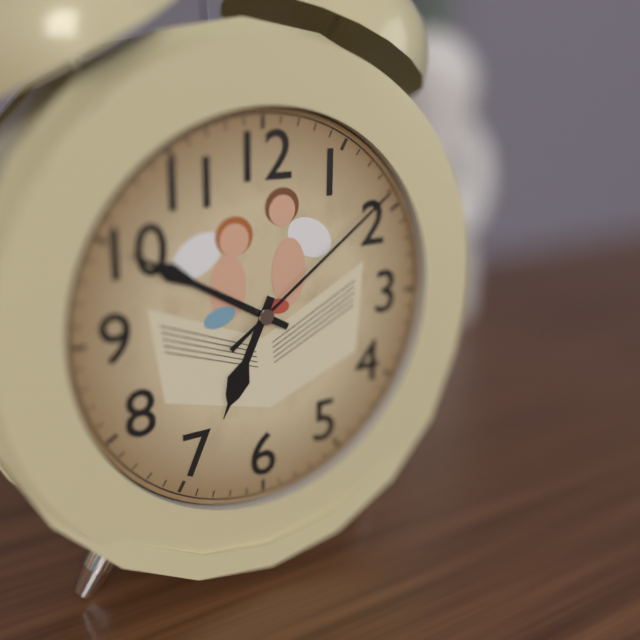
6h50m09s
